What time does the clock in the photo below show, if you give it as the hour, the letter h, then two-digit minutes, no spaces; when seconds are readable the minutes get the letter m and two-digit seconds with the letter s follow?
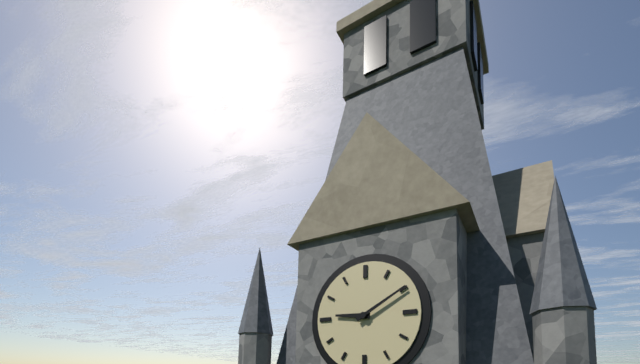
9h10
